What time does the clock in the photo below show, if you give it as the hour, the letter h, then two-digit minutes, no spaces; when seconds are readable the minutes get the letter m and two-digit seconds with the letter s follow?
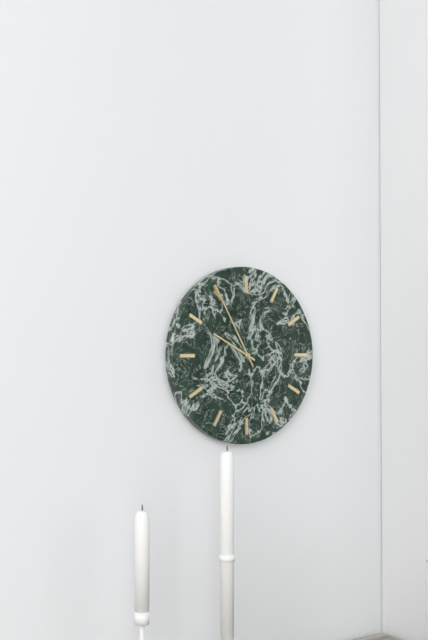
9h55
